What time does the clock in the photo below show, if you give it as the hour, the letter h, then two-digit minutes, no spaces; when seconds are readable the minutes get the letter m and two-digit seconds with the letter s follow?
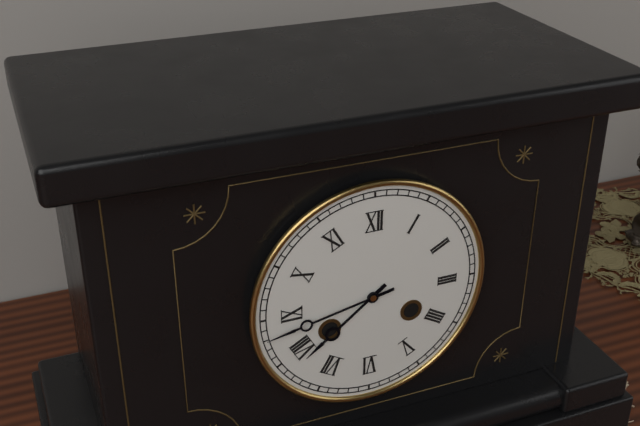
7h43
